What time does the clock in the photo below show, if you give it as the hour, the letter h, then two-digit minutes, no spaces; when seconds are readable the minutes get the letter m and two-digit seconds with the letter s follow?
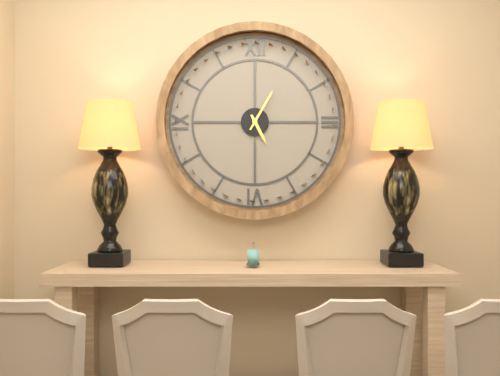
5h05
